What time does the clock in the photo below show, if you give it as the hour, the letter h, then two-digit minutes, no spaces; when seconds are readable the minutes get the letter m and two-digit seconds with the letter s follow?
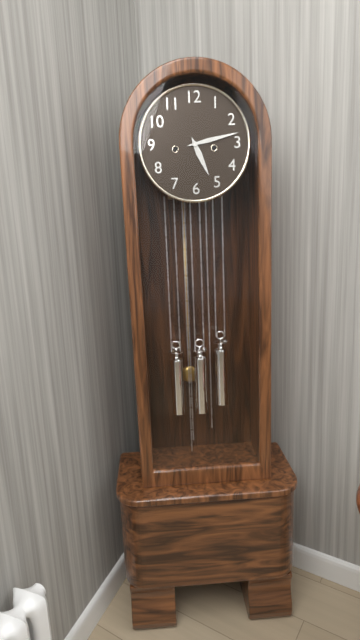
5h13
